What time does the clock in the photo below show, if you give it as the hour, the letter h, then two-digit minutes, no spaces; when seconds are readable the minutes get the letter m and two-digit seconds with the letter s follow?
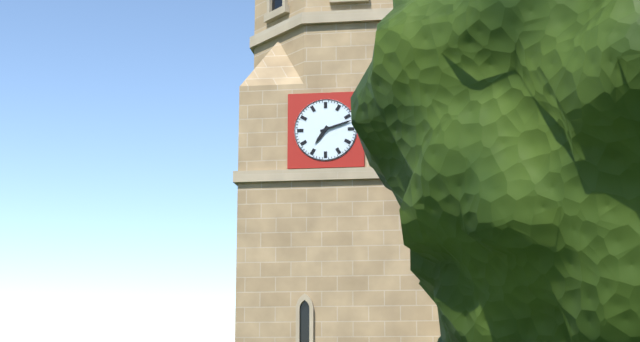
7h12
